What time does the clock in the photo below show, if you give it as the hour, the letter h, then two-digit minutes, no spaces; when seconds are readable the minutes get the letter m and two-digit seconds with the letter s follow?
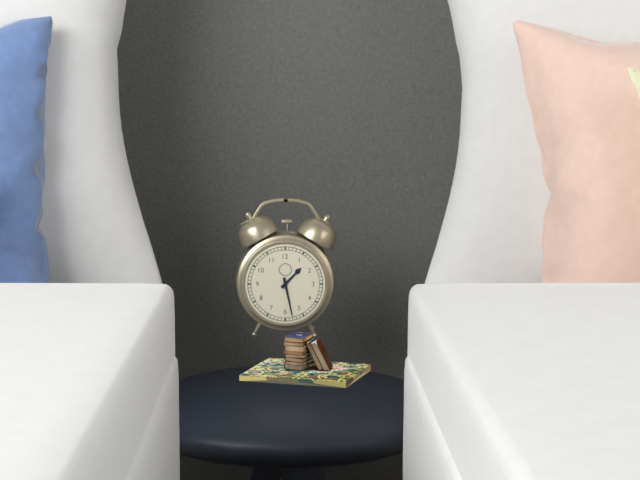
1h28
